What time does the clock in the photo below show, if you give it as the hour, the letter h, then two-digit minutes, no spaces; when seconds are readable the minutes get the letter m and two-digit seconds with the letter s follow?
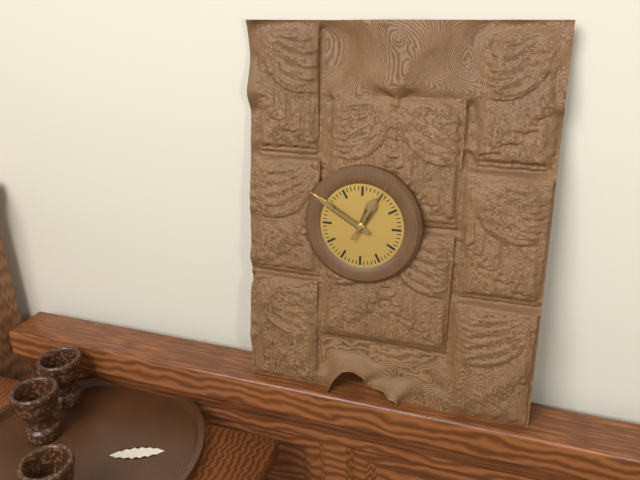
12h50m05s
